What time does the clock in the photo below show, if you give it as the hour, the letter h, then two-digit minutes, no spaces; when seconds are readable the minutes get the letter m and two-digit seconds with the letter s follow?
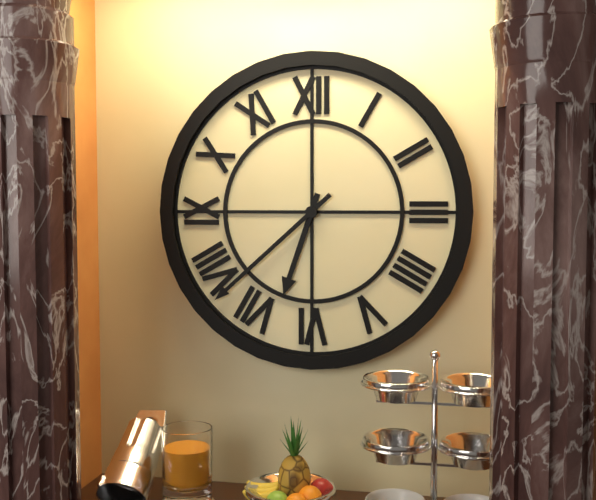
6h38
